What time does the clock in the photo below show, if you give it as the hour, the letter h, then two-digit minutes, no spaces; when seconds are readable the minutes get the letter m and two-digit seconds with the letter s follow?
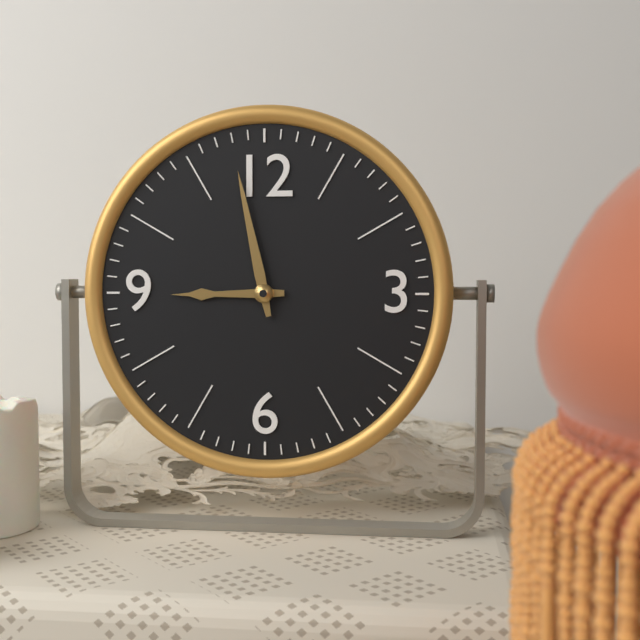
8h58
